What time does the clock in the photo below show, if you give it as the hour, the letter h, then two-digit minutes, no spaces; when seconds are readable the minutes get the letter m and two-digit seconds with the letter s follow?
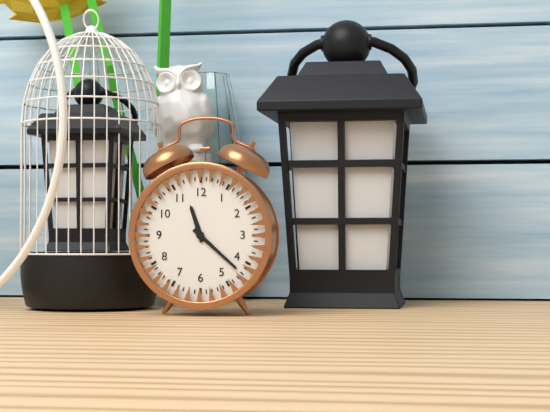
11h22
